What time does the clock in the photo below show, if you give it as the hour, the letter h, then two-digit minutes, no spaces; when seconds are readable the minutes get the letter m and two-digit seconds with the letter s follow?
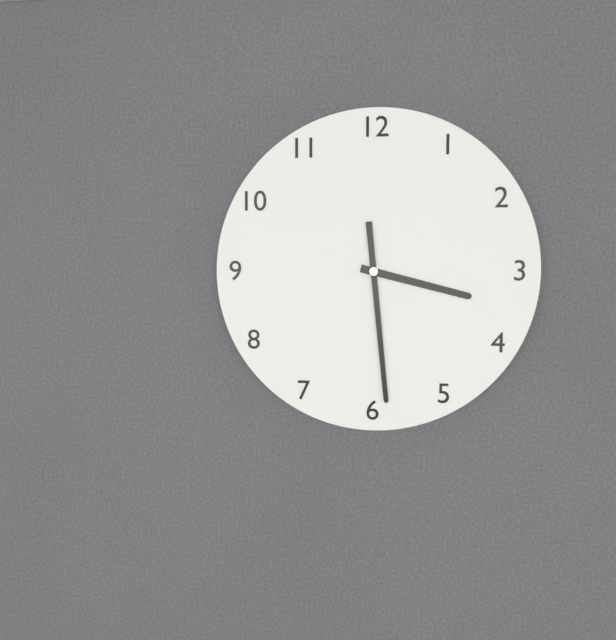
3h29
